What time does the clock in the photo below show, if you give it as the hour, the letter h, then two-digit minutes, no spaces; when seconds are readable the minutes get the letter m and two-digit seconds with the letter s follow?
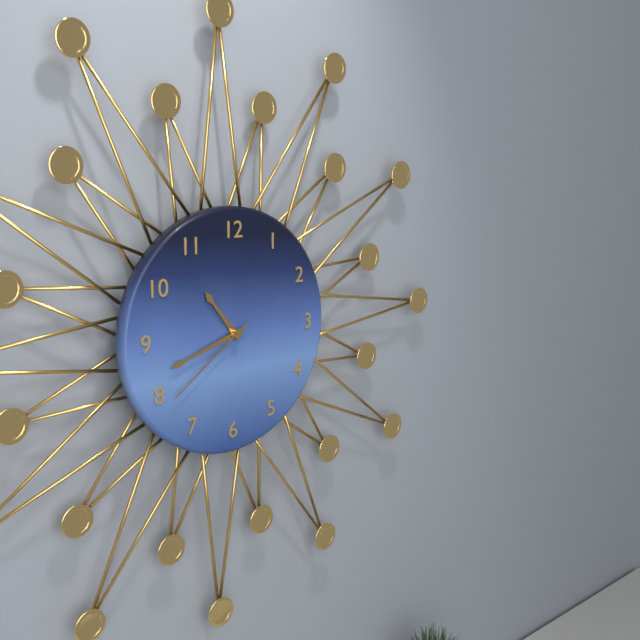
10h42m39s
